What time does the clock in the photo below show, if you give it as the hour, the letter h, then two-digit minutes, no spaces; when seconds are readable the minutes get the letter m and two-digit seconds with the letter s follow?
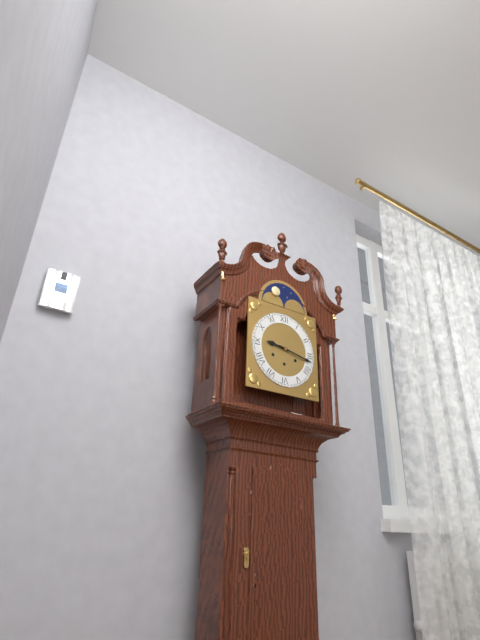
9h17
